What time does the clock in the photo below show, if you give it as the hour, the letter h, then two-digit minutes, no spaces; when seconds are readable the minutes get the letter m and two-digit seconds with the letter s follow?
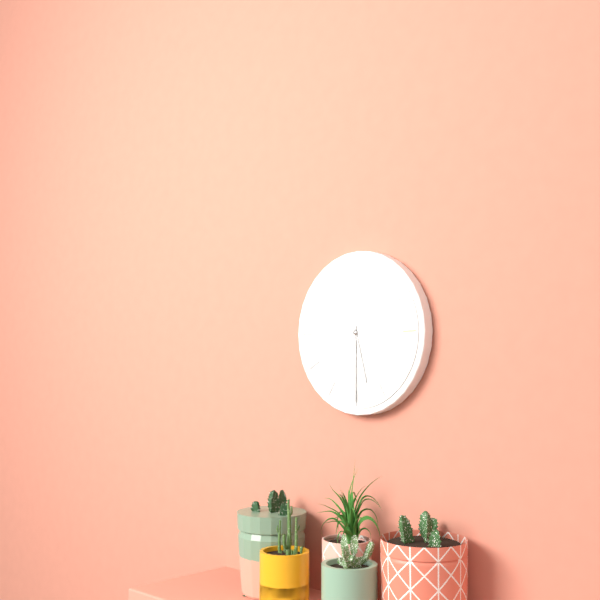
5h30
